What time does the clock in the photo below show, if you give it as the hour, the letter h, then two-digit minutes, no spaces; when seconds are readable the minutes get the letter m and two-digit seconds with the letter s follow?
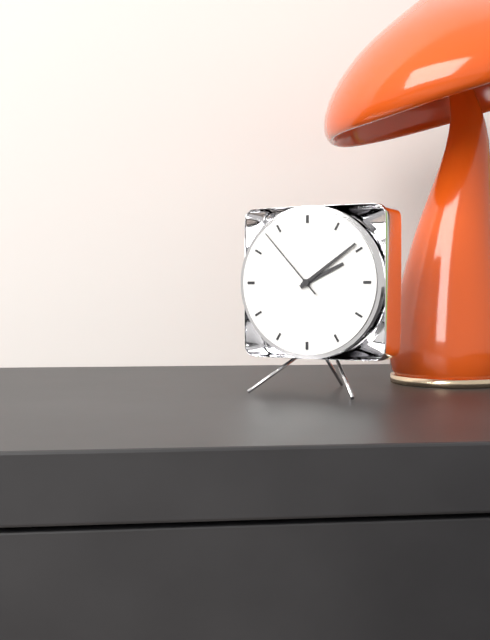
2h09m53s
